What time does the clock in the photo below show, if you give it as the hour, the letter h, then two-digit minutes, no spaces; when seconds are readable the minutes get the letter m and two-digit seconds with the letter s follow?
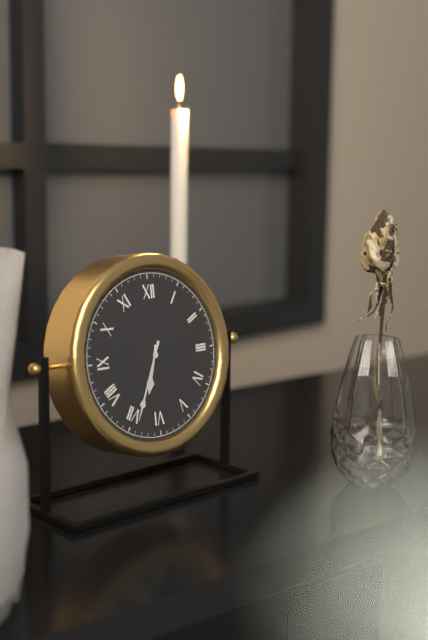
6h34
